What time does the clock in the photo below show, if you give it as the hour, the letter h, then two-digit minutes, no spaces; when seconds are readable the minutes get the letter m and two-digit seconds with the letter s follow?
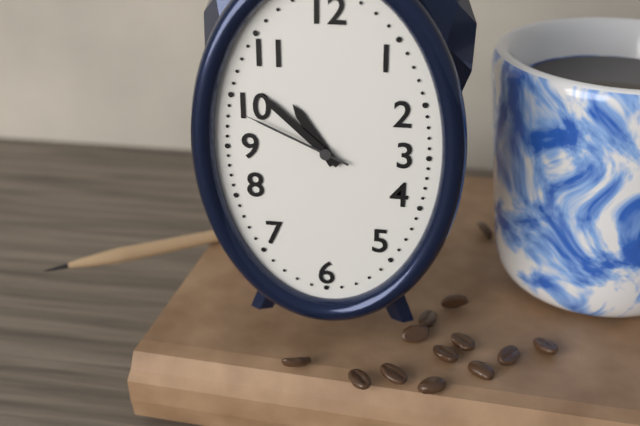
10h52m49s
